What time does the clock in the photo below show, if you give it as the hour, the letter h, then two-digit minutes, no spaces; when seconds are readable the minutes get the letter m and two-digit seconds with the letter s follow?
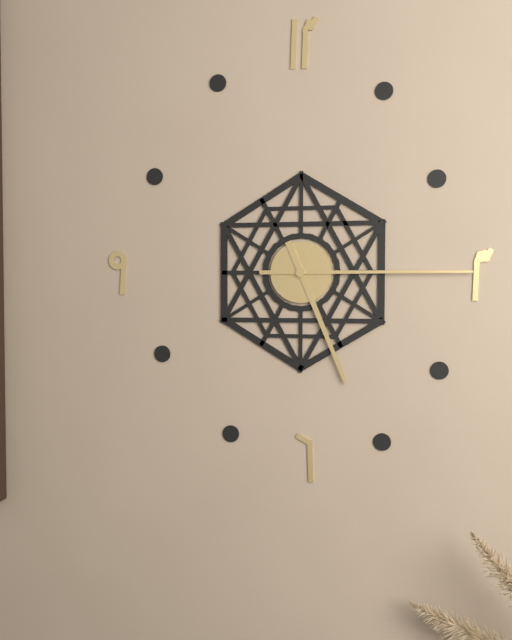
5h15
